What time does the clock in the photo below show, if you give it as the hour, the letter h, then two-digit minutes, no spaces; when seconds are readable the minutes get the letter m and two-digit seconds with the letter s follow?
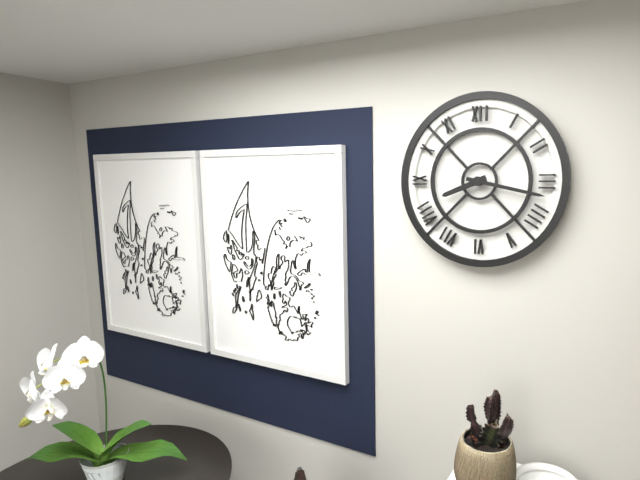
8h17
